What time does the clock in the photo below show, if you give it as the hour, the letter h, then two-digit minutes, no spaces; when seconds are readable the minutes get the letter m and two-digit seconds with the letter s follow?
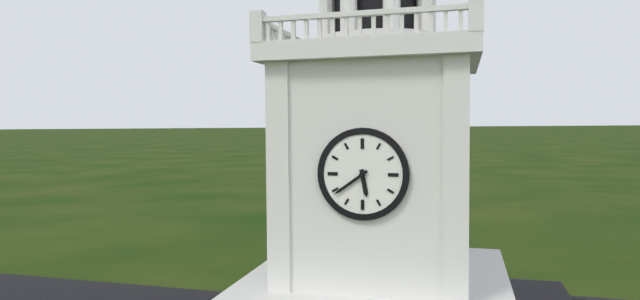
5h39
